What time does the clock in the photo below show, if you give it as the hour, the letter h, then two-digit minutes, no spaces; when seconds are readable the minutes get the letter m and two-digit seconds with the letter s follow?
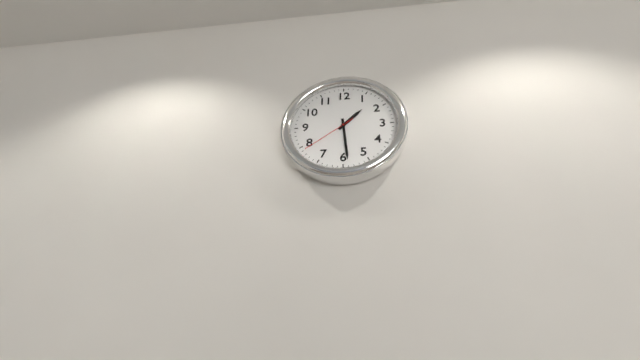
1h29m39s
